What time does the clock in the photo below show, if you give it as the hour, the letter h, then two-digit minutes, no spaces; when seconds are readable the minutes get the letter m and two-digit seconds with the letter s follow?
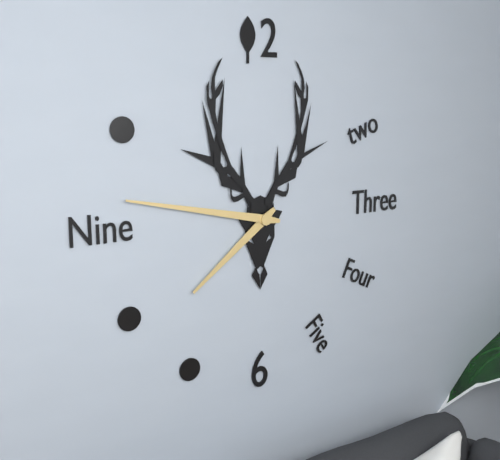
7h47
